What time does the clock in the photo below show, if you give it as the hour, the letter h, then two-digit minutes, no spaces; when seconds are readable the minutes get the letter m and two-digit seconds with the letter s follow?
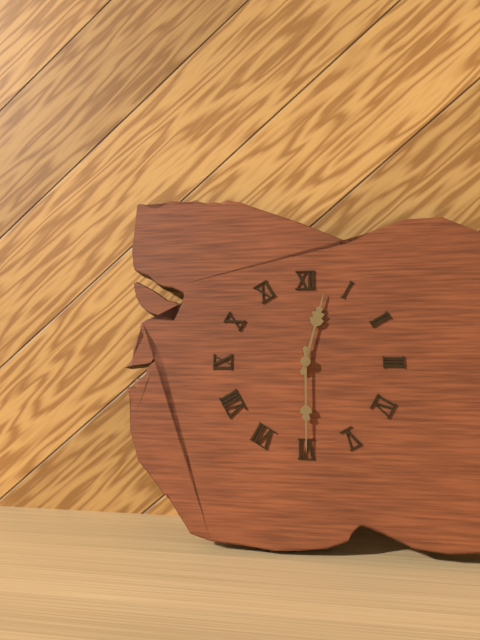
12h30
